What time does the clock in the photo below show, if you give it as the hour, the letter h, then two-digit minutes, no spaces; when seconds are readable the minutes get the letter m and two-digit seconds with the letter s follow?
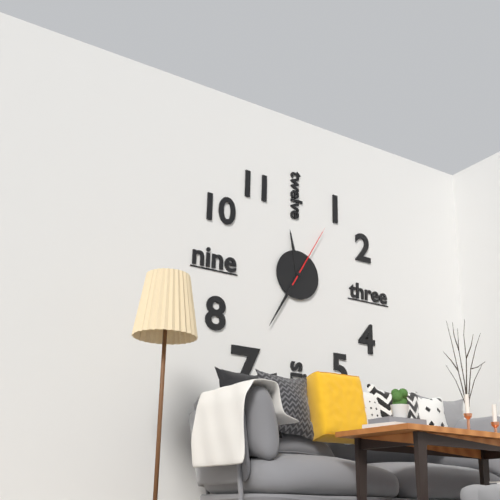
11h35m05s
